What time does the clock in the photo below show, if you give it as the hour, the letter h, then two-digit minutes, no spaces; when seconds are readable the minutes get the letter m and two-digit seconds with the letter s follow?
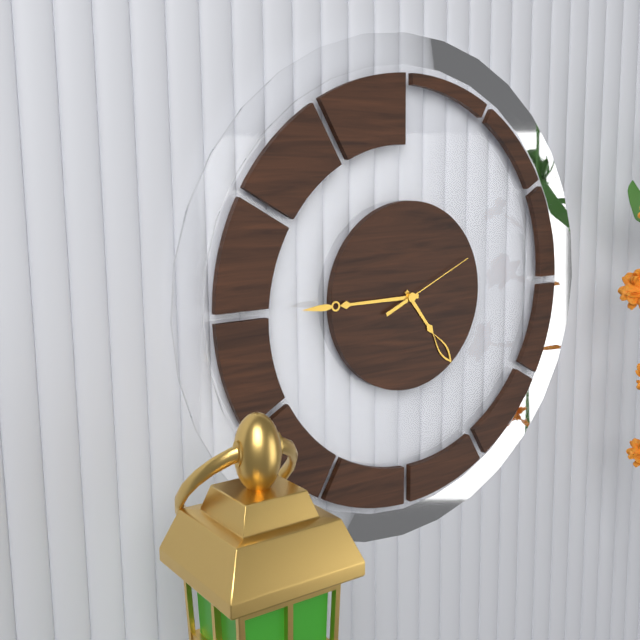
4h45m11s
